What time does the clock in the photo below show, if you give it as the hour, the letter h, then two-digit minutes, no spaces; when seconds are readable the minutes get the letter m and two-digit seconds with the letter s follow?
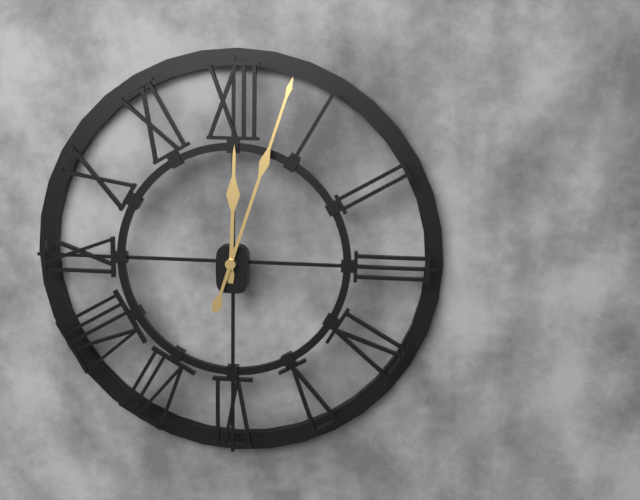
12h03
